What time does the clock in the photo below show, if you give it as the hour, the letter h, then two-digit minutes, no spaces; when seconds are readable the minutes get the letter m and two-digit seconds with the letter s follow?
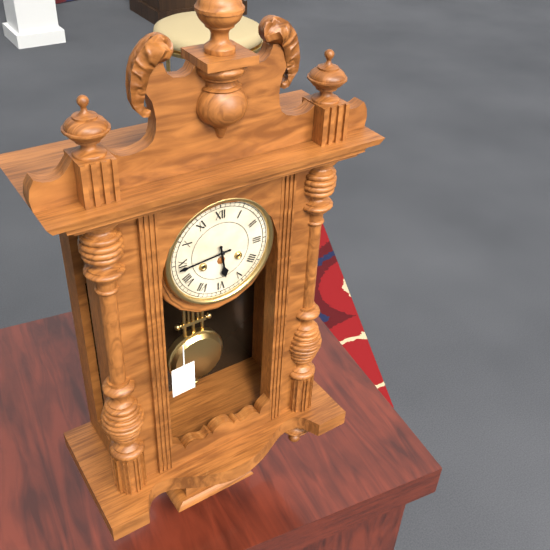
5h44
